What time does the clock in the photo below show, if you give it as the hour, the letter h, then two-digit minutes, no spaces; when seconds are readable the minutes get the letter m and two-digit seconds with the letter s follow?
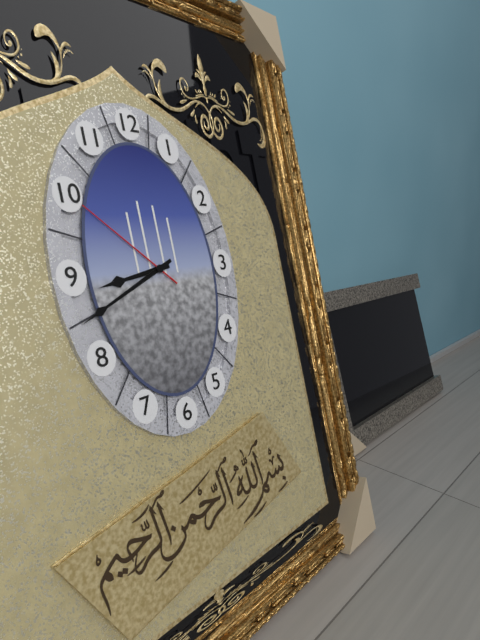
8h41m52s
